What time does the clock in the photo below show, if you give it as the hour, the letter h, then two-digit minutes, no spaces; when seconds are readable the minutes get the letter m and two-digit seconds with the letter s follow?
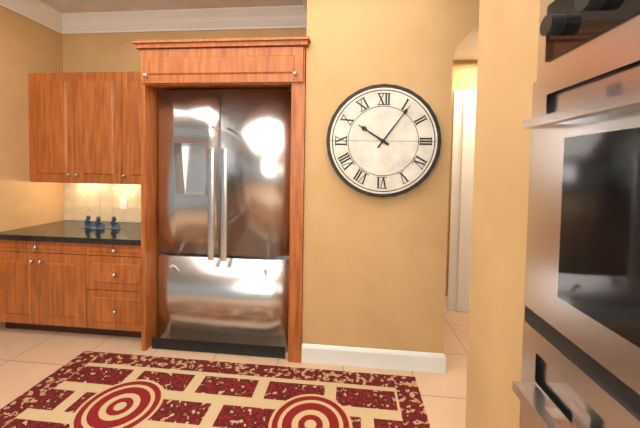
10h06
